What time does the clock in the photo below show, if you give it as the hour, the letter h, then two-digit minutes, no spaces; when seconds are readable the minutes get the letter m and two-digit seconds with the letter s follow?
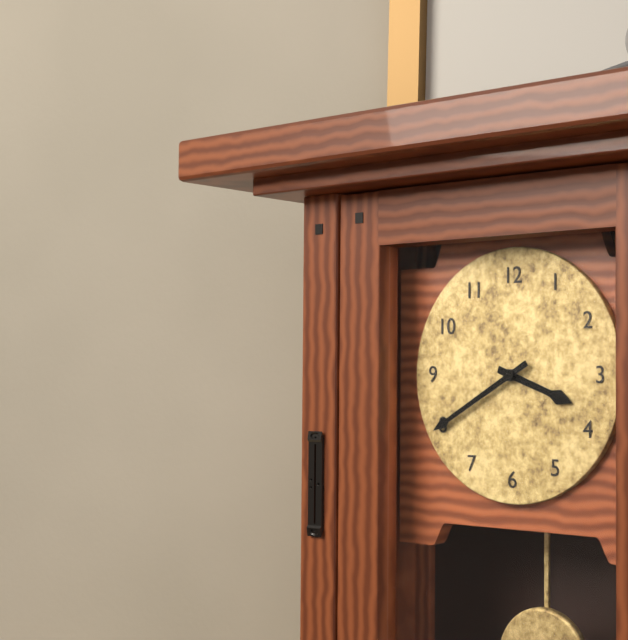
3h40
